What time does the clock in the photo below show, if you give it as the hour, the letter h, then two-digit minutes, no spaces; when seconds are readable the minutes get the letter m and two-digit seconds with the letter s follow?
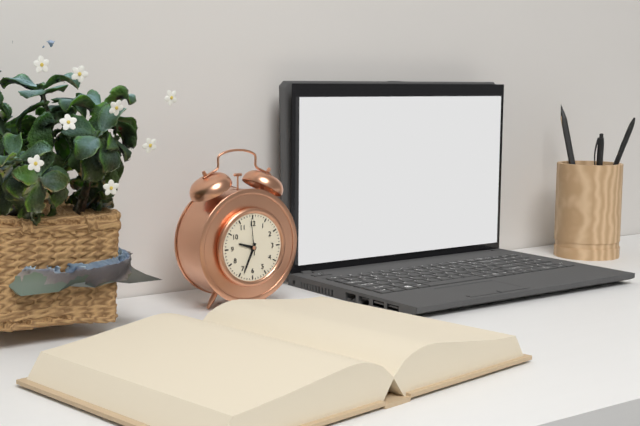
9h34
